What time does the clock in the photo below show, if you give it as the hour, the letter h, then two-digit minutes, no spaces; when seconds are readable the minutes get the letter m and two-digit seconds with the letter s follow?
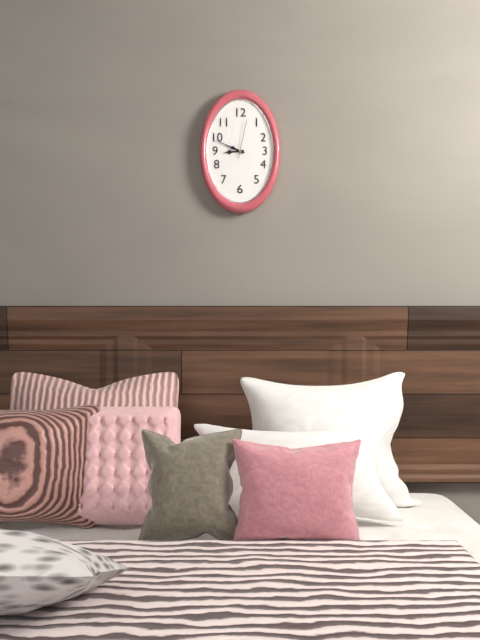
8h49
